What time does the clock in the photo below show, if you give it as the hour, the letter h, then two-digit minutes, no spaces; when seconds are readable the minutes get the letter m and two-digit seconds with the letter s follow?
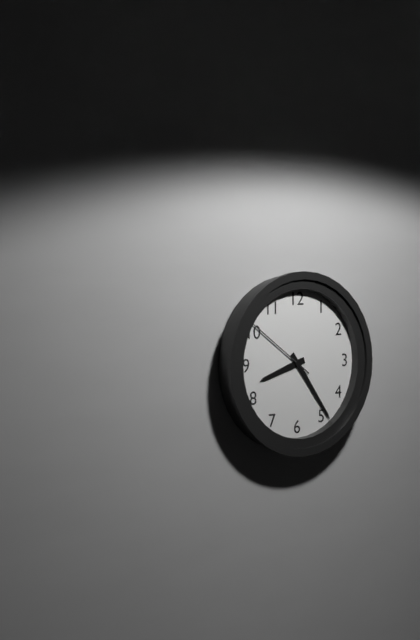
8h24m51s
